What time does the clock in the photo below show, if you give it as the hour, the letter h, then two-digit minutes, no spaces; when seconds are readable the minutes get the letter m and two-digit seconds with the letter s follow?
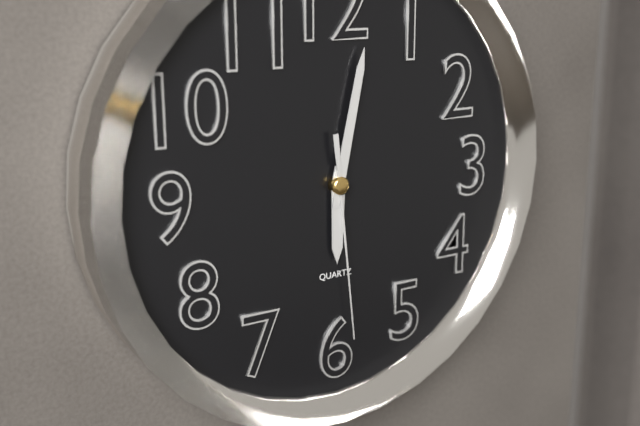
6h02m29s
